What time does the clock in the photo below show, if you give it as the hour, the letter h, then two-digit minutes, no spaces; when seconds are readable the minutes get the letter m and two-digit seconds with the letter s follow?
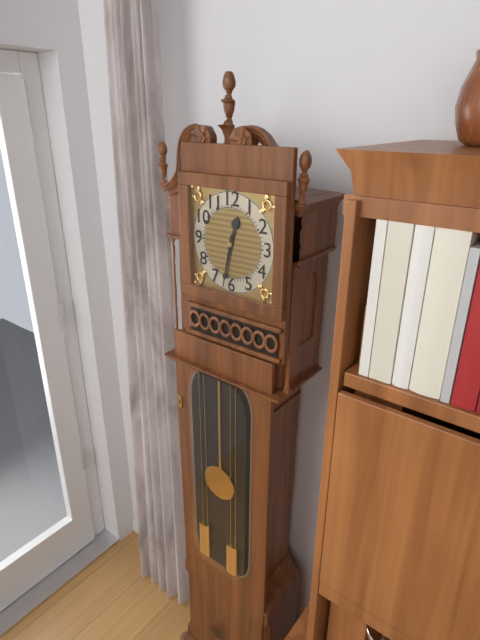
12h32
